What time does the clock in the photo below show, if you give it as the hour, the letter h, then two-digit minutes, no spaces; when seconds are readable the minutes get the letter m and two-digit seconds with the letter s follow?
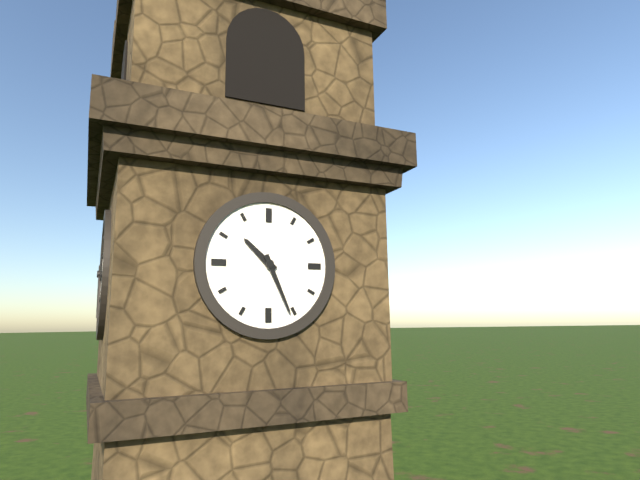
10h26
